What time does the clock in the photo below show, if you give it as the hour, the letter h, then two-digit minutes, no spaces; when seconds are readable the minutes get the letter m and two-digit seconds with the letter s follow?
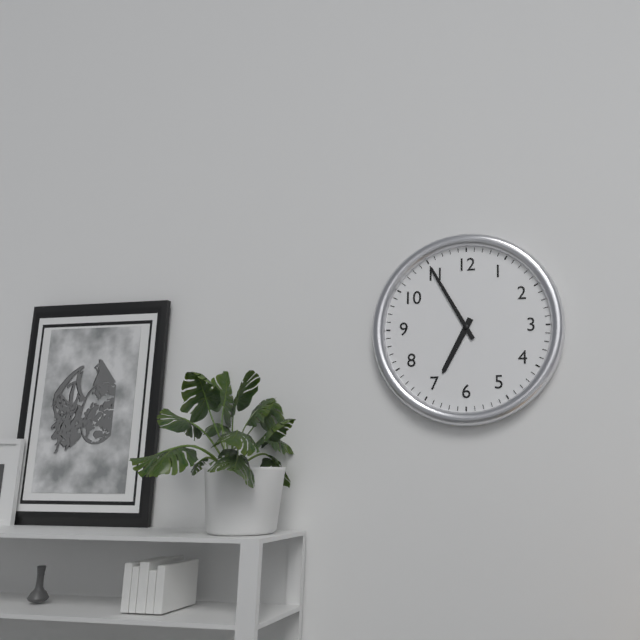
6h55
